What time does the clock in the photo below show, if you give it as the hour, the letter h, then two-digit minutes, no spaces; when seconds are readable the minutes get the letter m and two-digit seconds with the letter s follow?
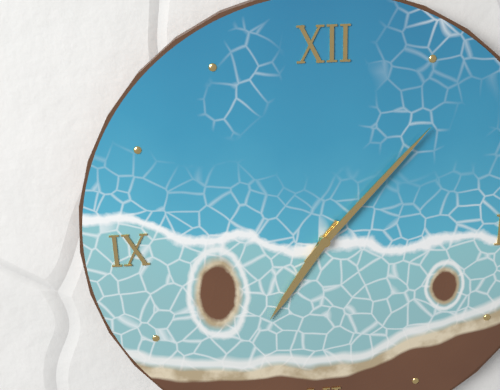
7h07
